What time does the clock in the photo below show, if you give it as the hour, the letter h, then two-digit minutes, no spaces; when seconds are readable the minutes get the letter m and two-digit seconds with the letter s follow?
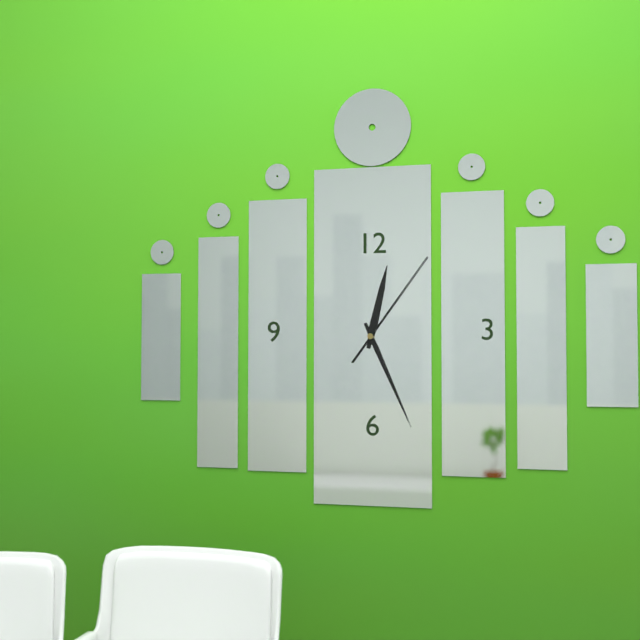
12h26m06s
